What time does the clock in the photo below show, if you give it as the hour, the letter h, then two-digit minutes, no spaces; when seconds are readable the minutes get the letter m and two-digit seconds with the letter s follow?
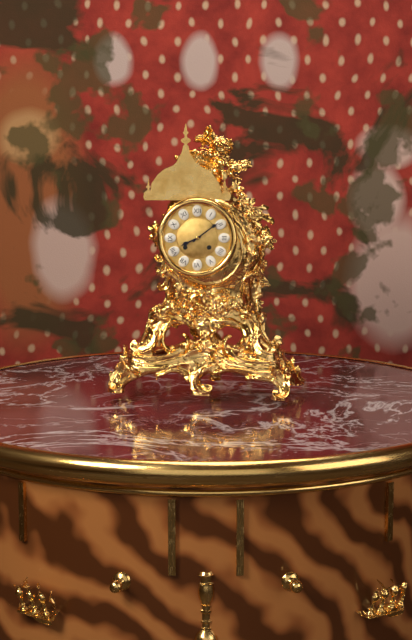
8h09
